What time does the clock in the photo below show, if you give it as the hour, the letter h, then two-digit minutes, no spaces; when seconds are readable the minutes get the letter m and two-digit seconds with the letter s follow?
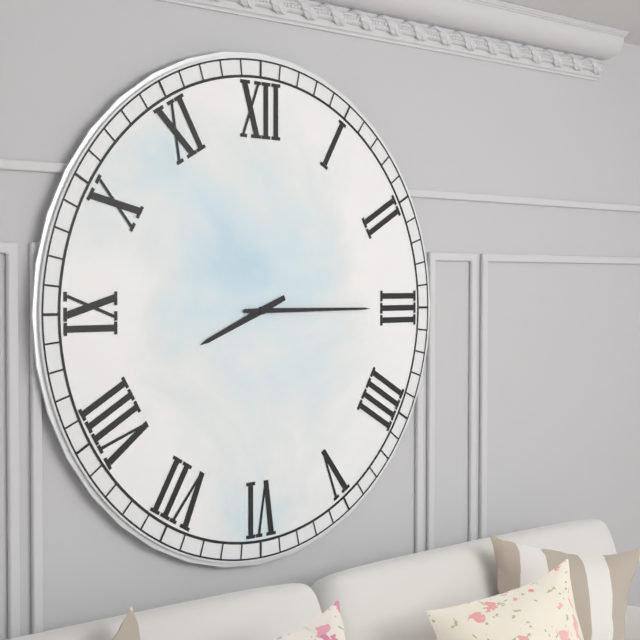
8h15
